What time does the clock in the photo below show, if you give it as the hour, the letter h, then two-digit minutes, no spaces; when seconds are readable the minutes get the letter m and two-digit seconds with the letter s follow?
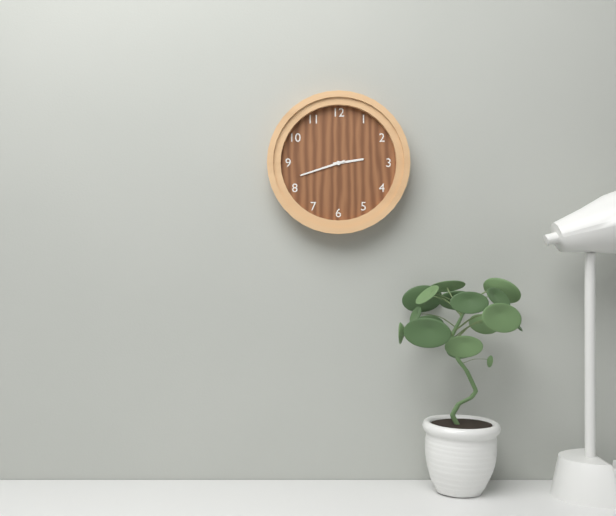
2h42
